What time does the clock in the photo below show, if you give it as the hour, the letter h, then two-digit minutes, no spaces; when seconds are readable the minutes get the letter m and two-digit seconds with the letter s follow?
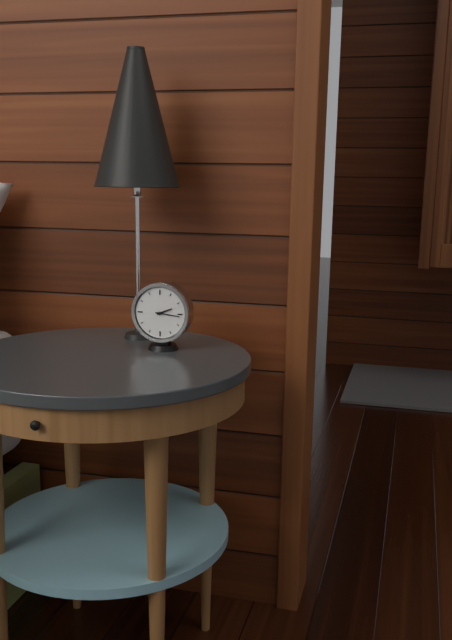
2h16
